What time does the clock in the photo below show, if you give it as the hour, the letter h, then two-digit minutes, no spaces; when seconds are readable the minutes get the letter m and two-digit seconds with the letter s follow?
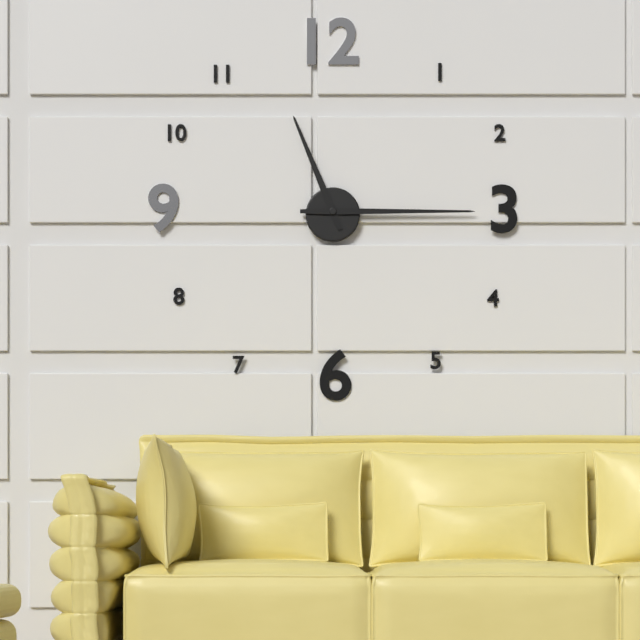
11h15
